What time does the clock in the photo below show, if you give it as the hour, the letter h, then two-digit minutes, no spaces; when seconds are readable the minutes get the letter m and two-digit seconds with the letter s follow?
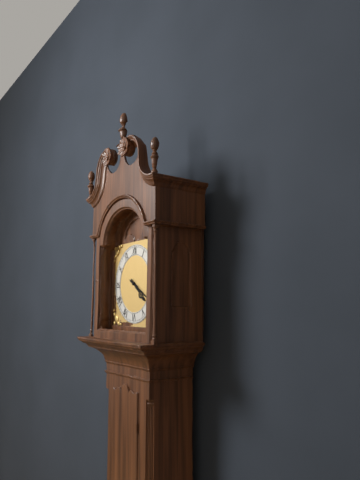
4h20
